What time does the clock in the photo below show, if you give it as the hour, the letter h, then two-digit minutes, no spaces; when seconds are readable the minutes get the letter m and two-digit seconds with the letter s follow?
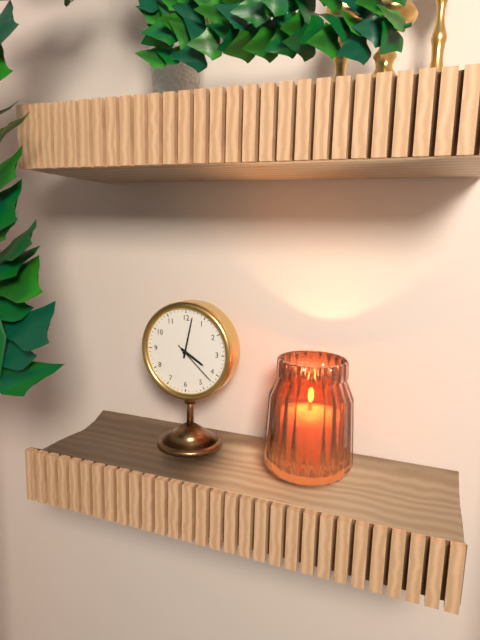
4h02
